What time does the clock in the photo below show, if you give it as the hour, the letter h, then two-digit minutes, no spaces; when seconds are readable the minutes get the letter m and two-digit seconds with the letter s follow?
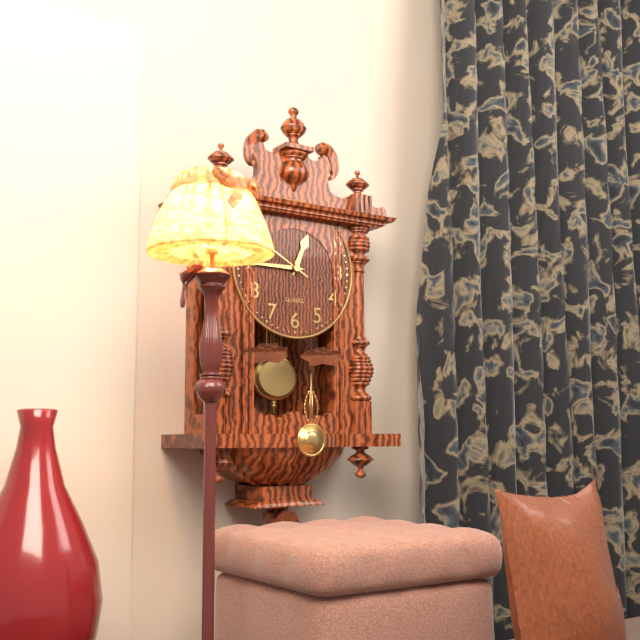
12h45
